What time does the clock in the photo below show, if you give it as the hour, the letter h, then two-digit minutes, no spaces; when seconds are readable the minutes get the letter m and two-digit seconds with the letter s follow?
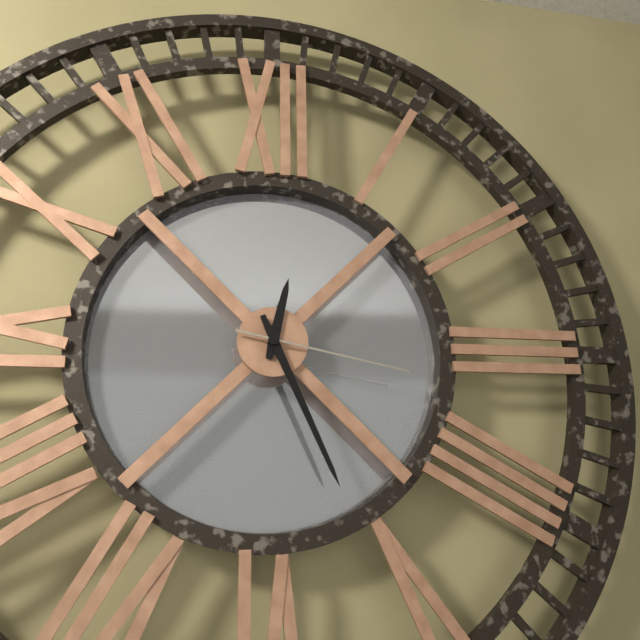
12h26m17s
